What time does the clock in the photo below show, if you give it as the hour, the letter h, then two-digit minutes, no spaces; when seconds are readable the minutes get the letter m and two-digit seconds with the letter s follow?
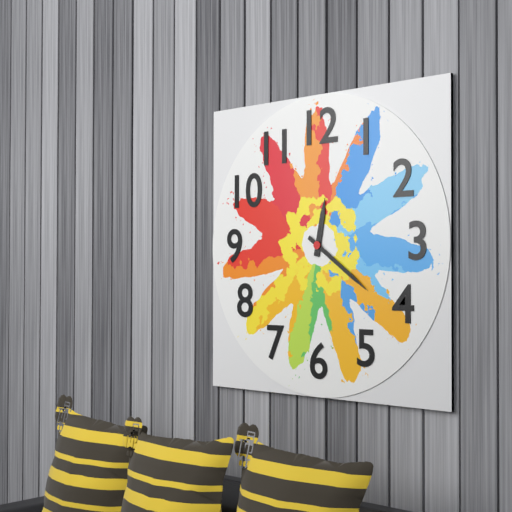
12h21
